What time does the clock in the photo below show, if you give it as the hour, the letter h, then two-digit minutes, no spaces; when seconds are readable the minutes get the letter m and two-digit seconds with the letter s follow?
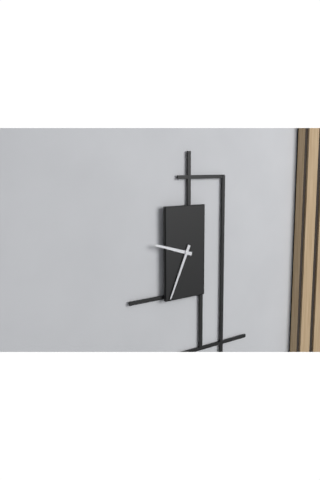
9h34
